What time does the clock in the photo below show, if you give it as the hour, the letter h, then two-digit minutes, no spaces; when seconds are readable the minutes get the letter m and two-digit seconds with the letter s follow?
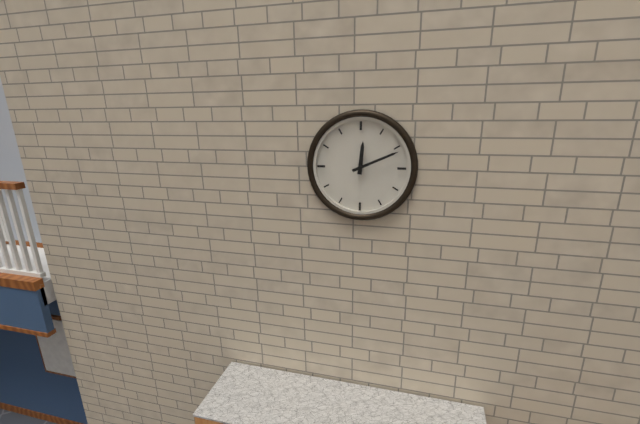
12h11
